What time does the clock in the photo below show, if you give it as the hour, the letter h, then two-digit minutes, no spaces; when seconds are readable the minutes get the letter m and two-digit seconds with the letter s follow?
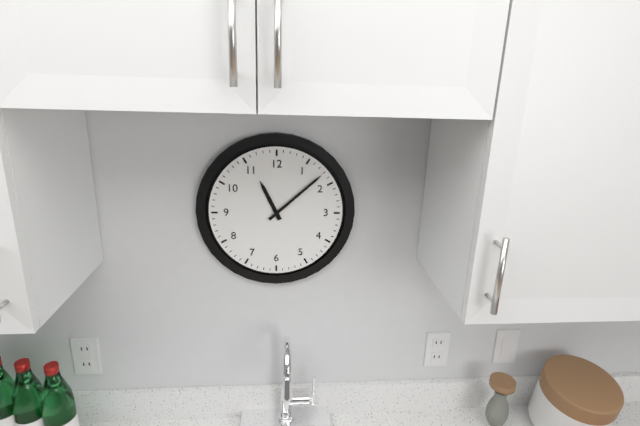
11h08
